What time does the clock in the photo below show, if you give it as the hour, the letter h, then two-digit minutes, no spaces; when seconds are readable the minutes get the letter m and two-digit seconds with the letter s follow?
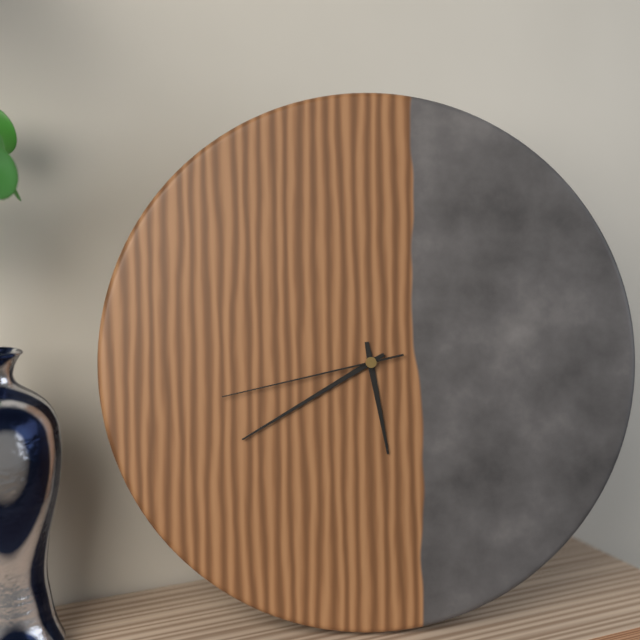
5h40m43s
